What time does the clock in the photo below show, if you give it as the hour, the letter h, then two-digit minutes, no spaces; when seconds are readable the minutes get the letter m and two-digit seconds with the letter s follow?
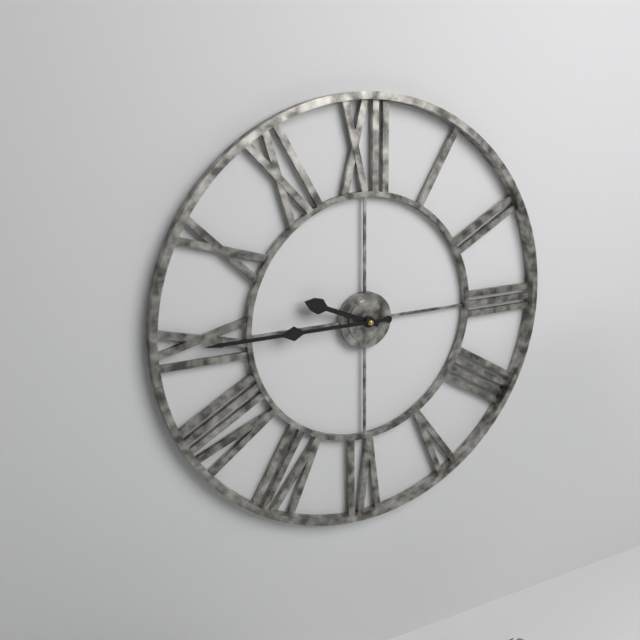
9h45
